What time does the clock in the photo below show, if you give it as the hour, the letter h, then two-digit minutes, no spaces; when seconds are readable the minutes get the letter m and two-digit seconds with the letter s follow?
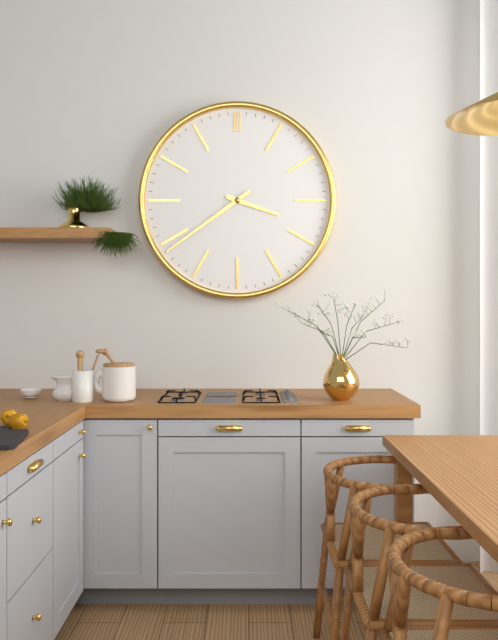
3h39
